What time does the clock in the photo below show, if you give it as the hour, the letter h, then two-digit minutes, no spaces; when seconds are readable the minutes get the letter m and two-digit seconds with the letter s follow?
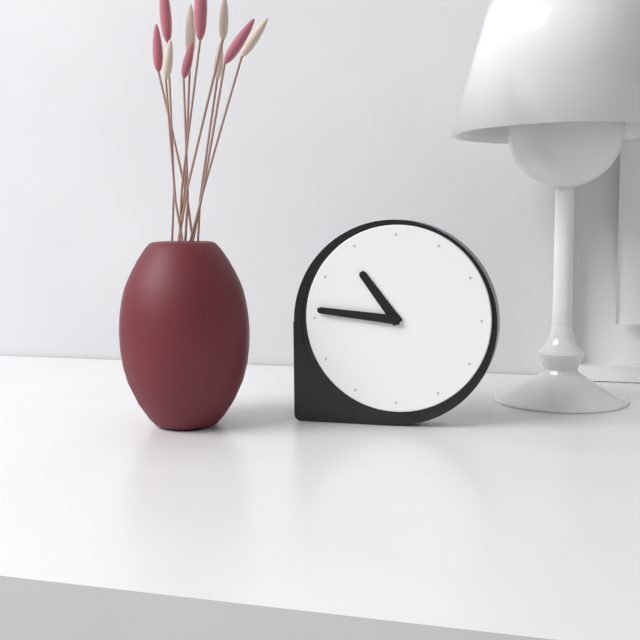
10h46
